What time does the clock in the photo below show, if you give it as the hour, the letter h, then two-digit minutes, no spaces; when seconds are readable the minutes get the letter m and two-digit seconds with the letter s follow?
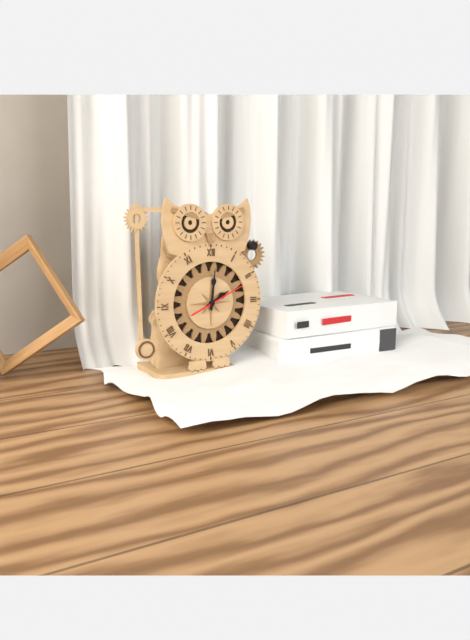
2h01m11s
